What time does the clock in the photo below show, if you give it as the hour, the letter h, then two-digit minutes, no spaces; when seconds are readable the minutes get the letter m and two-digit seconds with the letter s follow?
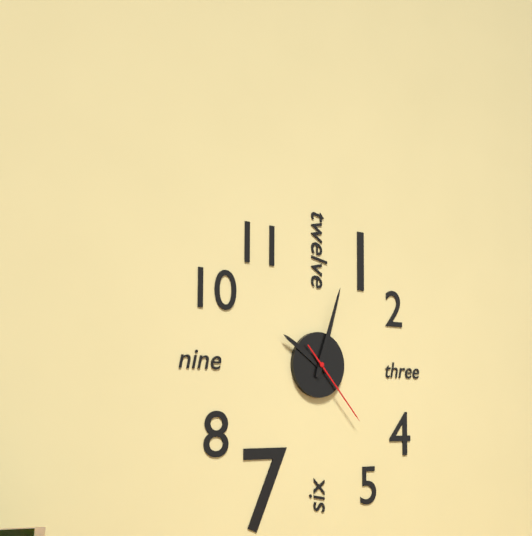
10h03m23s
